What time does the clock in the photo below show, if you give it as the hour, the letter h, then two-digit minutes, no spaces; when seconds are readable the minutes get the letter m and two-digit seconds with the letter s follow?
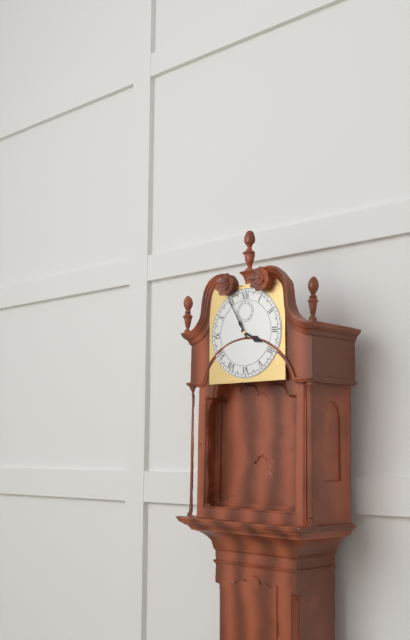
3h55
